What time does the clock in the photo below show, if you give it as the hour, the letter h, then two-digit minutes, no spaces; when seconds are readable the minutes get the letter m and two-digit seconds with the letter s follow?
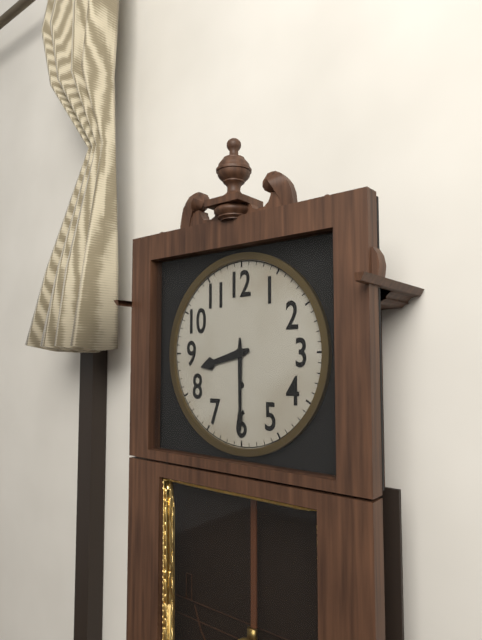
8h30
